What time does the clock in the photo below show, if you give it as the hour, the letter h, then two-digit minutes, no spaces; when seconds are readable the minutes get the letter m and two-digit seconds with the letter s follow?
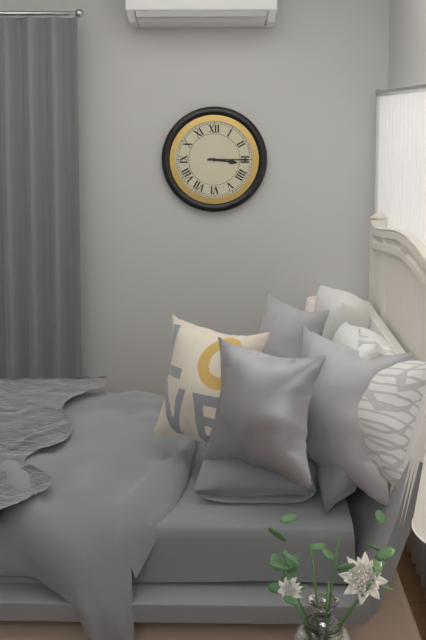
3h15
